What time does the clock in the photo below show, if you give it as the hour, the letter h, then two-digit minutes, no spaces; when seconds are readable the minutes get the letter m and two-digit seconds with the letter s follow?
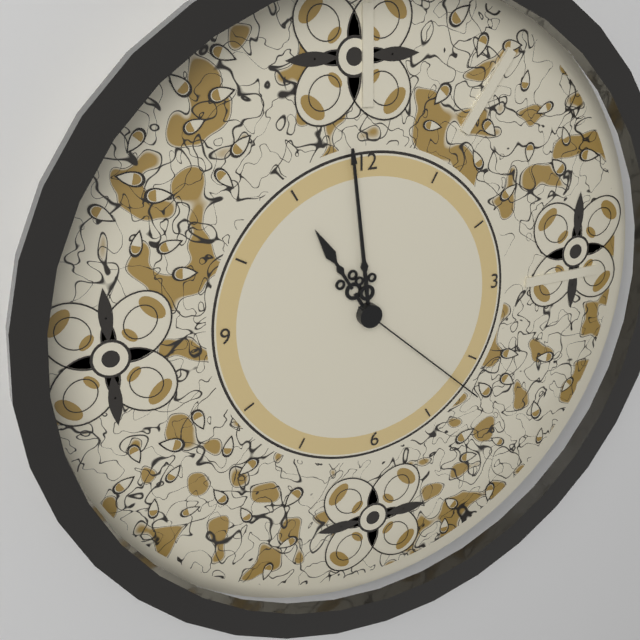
10h59m22s
